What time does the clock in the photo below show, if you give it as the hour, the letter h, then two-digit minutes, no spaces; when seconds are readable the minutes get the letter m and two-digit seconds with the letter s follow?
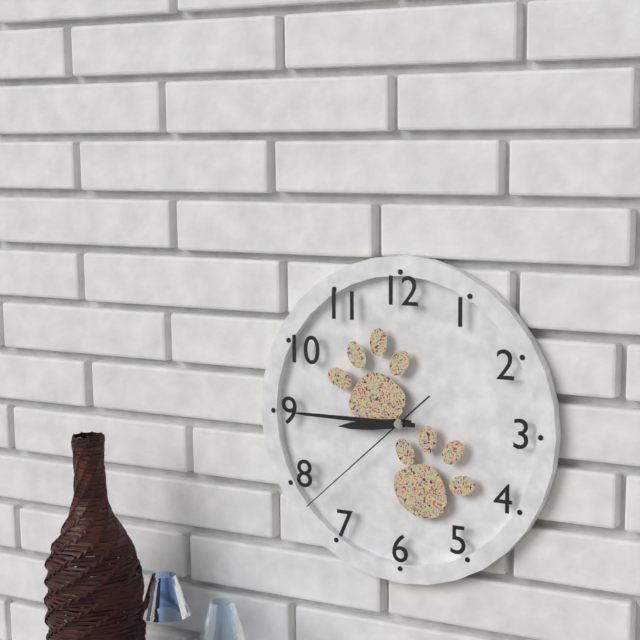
8h45m38s
